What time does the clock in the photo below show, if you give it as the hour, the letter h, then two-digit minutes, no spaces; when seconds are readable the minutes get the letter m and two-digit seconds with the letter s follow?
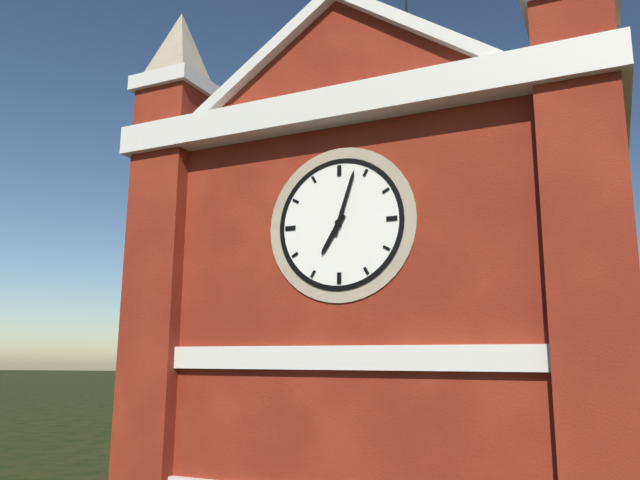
7h03
